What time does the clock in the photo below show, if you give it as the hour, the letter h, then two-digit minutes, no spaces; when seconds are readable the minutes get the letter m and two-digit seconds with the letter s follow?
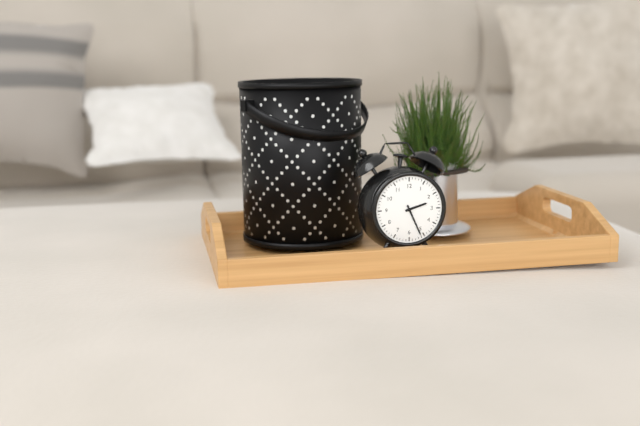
2h26
